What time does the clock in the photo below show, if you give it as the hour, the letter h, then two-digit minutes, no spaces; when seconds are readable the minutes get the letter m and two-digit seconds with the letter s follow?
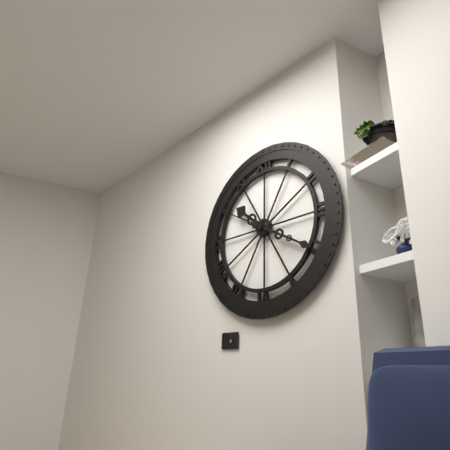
10h20
